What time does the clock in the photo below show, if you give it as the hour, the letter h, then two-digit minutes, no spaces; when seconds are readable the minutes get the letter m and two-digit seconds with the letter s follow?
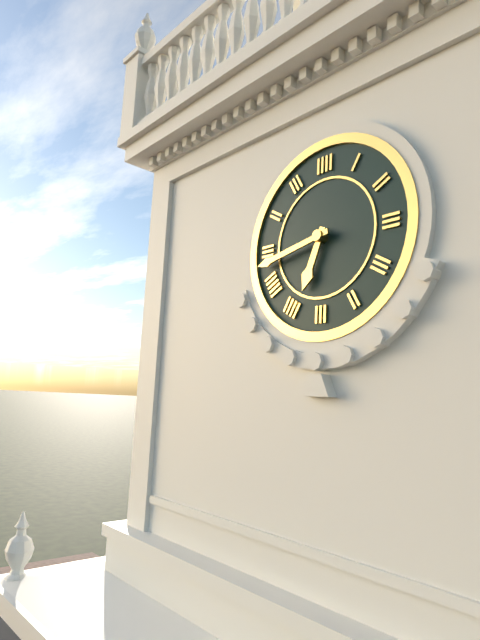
6h43
